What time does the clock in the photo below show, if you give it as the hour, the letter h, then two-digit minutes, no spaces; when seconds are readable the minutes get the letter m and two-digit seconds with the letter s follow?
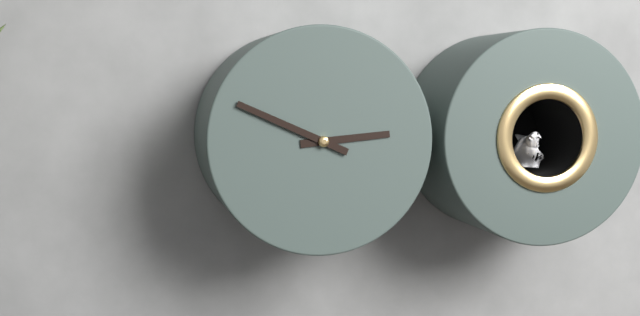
2h49
